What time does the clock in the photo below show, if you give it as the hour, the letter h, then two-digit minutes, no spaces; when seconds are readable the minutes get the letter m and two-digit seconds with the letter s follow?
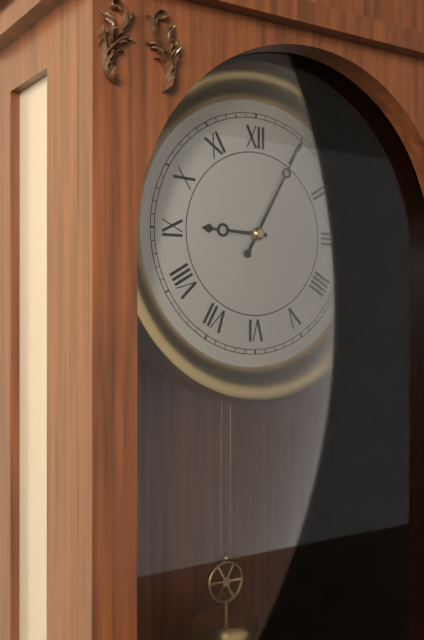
9h05
